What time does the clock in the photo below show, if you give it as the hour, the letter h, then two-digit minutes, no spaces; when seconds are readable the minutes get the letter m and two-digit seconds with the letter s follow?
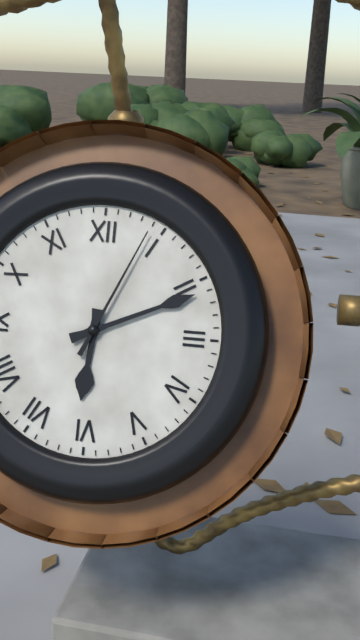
6h11m04s
